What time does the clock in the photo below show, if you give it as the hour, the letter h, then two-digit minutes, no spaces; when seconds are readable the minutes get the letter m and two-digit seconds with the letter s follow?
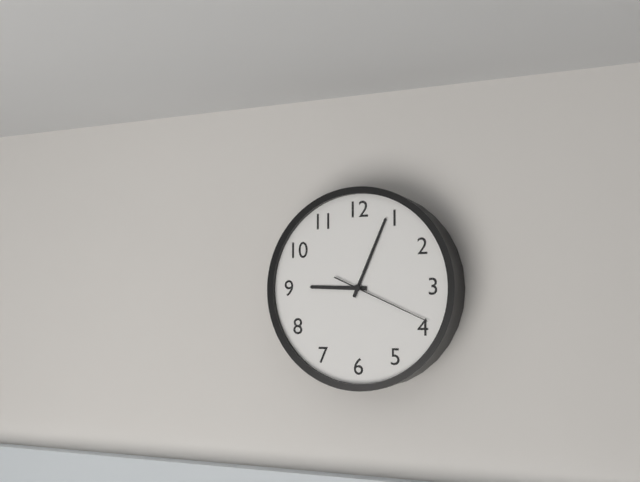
9h04m19s
